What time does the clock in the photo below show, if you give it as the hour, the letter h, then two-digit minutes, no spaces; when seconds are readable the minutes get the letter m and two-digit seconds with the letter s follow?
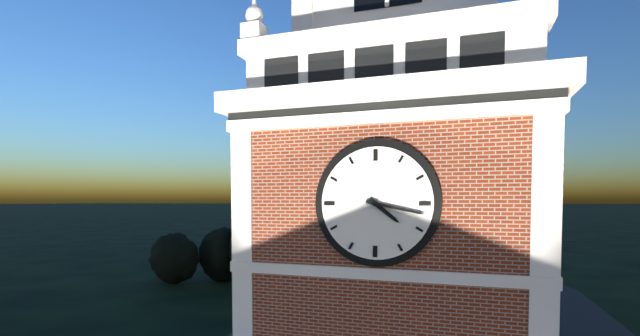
4h17
